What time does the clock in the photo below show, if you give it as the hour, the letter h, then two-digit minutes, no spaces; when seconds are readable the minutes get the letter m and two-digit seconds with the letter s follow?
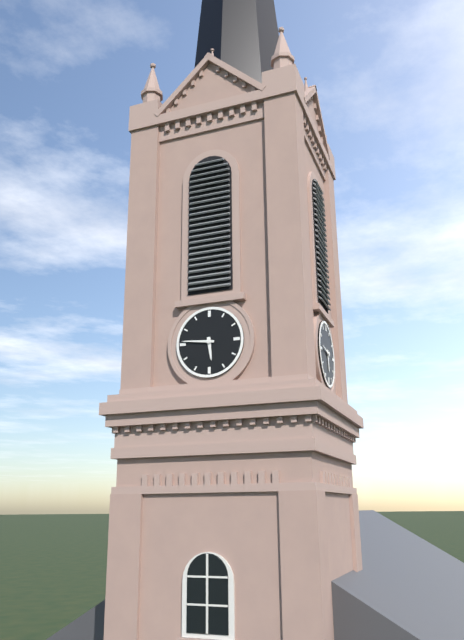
5h46
